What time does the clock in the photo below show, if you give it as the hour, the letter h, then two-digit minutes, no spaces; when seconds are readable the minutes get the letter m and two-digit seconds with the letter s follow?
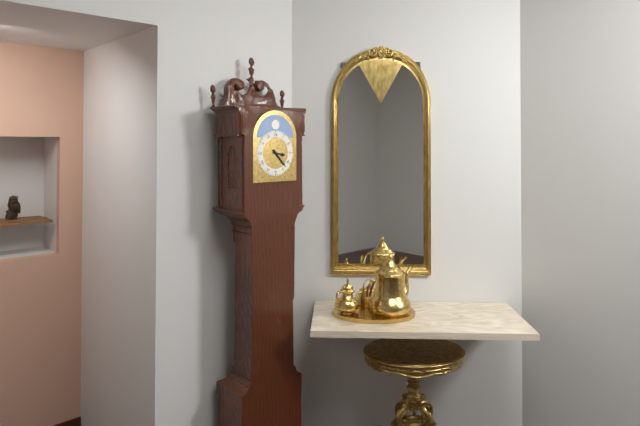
3h23
